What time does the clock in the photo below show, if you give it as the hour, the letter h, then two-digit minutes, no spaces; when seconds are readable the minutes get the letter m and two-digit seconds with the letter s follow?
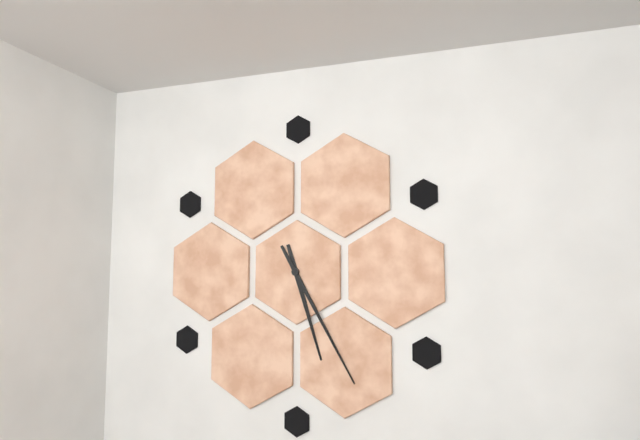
5h25
